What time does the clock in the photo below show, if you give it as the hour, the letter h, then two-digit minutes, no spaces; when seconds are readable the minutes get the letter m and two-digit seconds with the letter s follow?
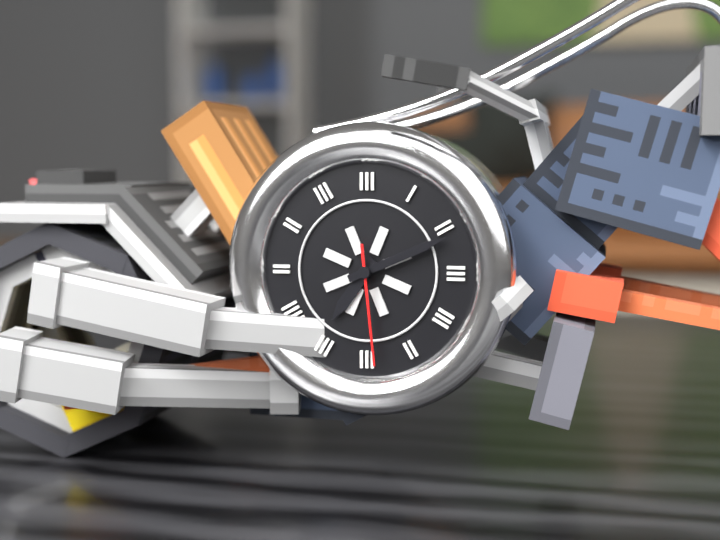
7h11m29s
